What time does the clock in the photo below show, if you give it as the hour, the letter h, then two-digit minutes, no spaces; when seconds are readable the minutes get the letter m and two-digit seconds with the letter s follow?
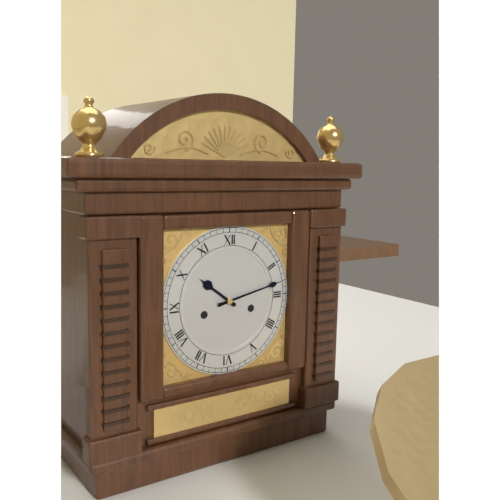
10h13
